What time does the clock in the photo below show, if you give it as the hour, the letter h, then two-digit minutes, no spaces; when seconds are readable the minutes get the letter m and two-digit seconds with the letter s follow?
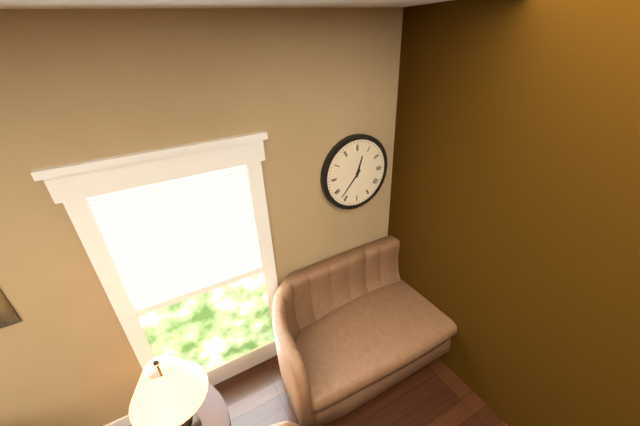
12h37
